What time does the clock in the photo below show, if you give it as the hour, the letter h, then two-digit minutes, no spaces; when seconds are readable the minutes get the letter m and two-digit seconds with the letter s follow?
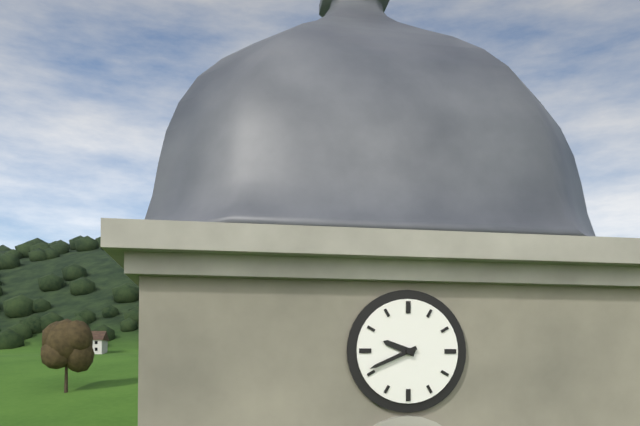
9h41
